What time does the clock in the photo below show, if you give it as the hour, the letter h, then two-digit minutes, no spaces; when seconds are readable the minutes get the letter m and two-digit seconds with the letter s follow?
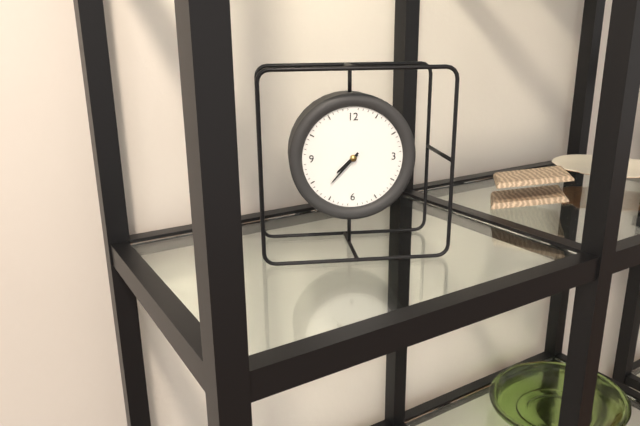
7h37
